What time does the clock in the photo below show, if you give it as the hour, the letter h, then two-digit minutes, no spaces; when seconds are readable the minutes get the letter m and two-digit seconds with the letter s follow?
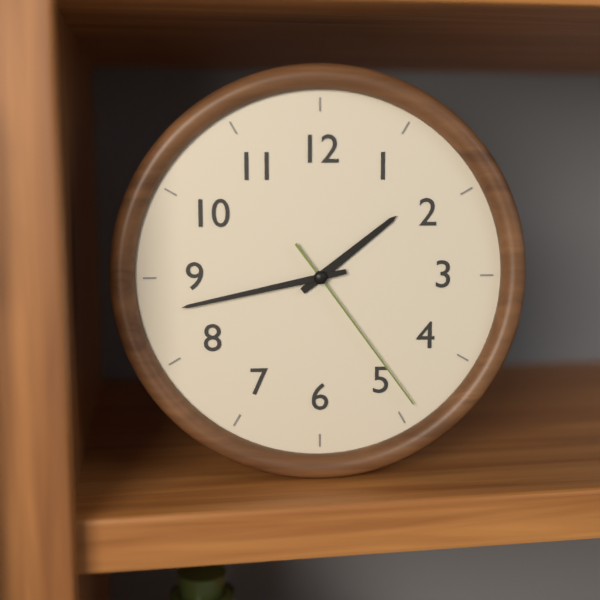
1h43m24s
